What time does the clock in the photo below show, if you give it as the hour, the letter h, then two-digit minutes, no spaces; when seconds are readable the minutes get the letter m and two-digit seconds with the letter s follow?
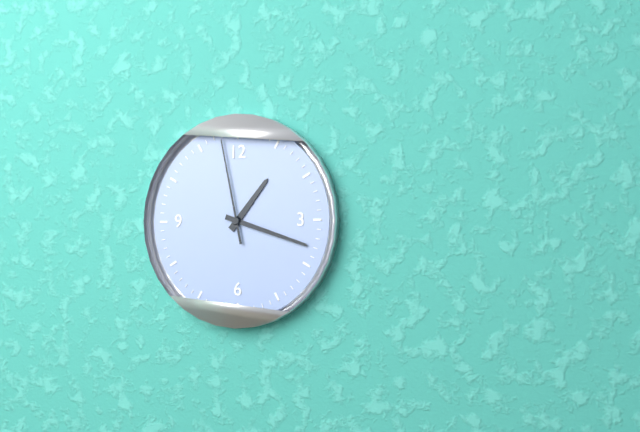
1h18m58s
